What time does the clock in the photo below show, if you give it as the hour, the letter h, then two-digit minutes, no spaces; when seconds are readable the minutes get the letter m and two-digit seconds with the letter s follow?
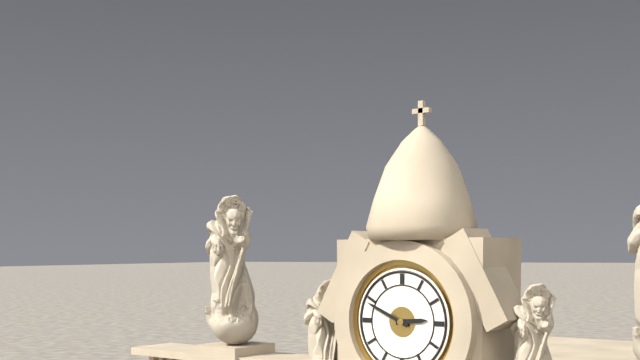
2h49
